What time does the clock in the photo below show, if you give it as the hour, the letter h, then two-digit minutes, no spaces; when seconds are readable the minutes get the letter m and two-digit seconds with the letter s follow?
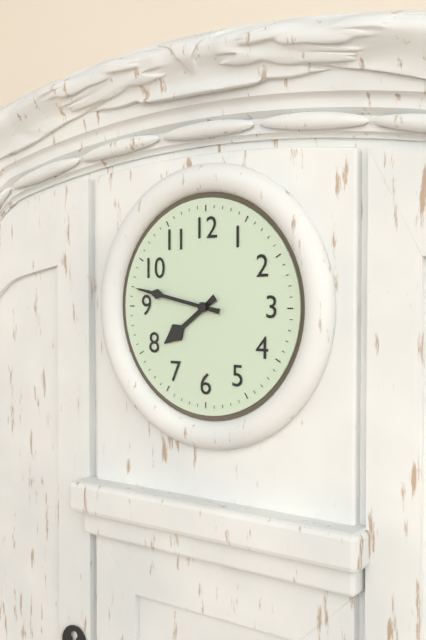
7h47
